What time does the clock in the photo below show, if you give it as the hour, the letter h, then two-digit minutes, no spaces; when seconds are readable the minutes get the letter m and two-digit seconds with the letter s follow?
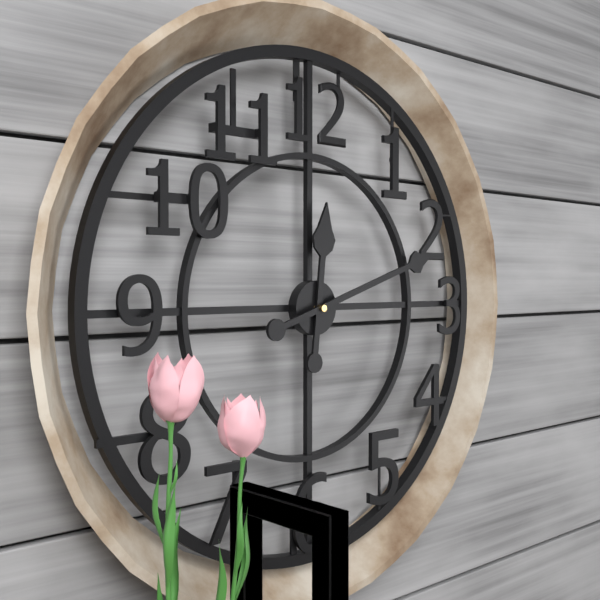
12h12
